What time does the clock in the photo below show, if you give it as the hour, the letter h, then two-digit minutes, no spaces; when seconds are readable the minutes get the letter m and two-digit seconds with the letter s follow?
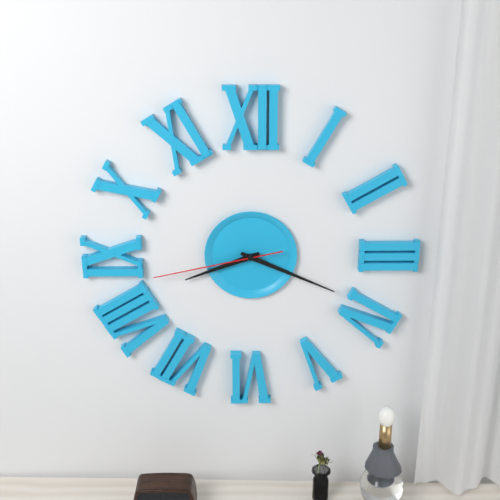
8h19m43s
